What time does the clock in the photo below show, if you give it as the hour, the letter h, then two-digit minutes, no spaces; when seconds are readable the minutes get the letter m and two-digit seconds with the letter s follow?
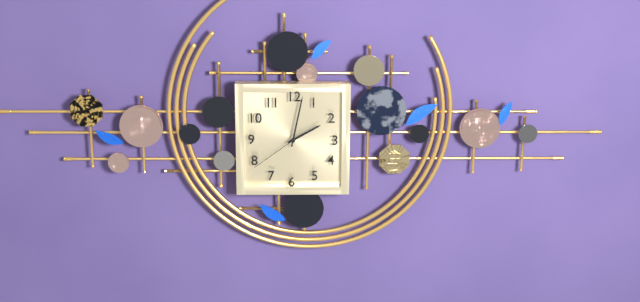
2h02m39s
